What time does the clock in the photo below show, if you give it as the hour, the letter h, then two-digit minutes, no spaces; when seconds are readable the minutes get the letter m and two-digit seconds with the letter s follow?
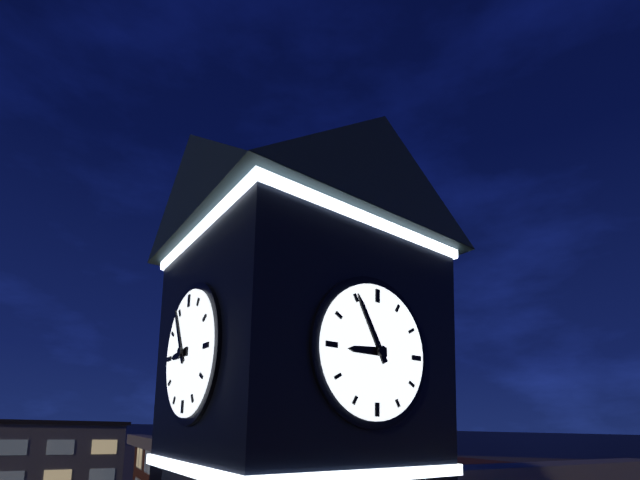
8h55
